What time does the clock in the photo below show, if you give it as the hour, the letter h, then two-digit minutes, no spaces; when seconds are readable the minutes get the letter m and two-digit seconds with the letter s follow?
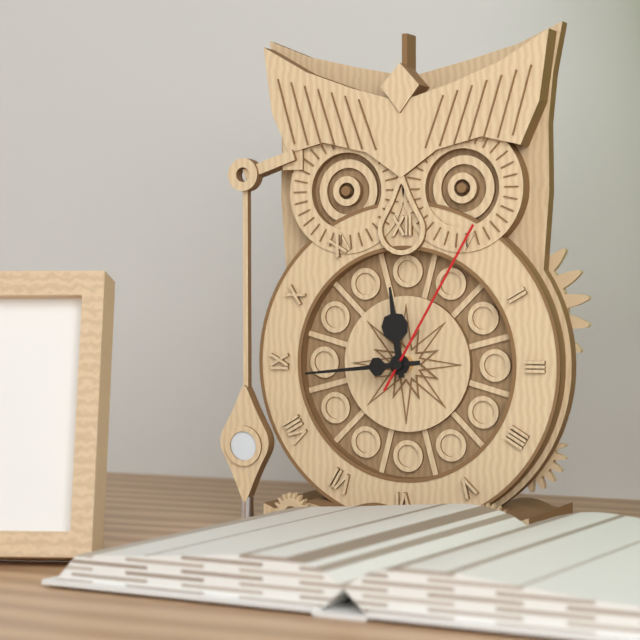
11h44m05s
